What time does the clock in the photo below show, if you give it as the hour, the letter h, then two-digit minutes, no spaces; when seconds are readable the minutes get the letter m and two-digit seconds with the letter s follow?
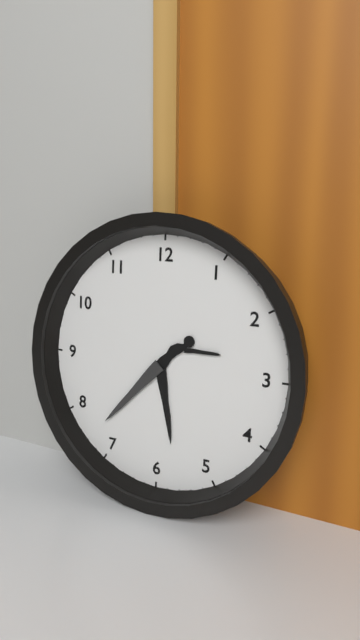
5h37
